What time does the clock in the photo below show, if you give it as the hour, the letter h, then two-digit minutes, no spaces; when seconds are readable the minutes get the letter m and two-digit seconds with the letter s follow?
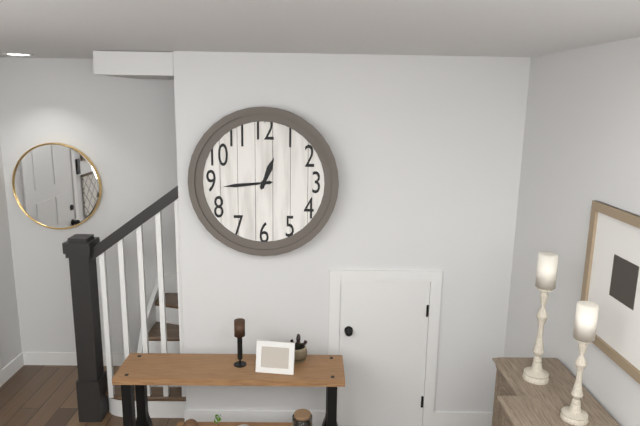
12h44
